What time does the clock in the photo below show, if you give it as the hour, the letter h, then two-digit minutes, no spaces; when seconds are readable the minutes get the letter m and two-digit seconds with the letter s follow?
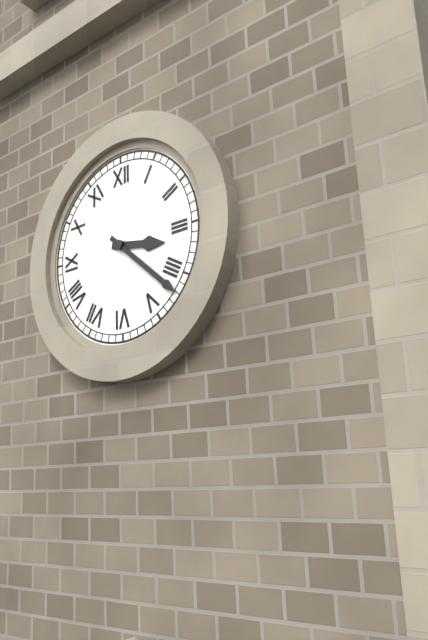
3h22
